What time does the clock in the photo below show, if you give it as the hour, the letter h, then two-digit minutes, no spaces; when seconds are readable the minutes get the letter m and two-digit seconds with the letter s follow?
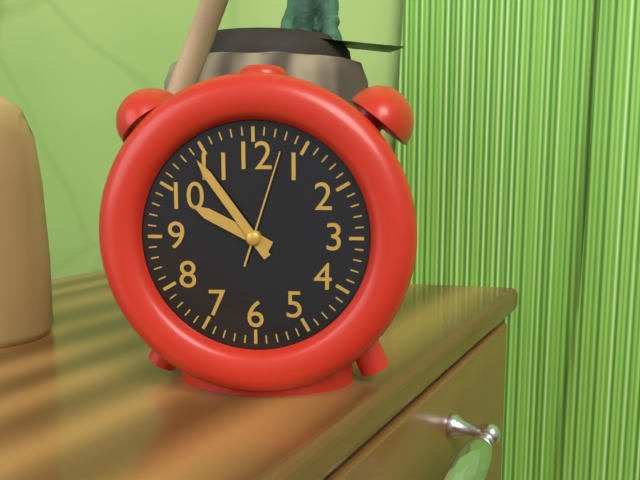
9h54m03s
